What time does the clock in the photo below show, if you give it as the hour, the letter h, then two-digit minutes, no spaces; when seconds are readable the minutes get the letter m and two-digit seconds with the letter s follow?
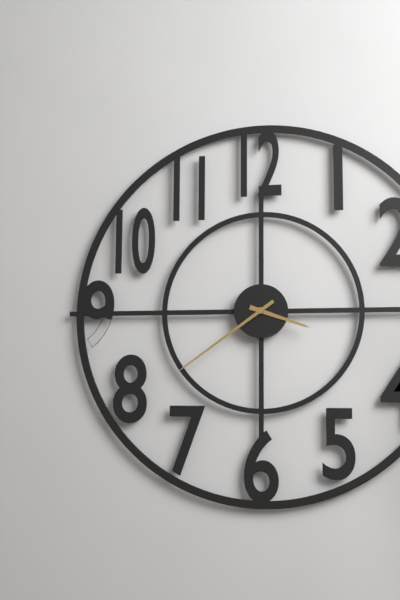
3h39
